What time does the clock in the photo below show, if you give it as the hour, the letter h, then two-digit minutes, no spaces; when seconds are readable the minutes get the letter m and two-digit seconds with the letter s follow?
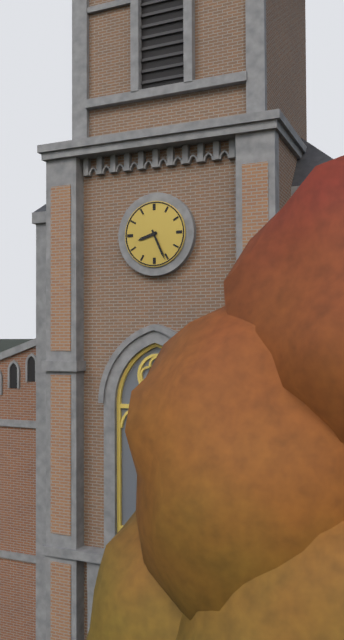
8h26
